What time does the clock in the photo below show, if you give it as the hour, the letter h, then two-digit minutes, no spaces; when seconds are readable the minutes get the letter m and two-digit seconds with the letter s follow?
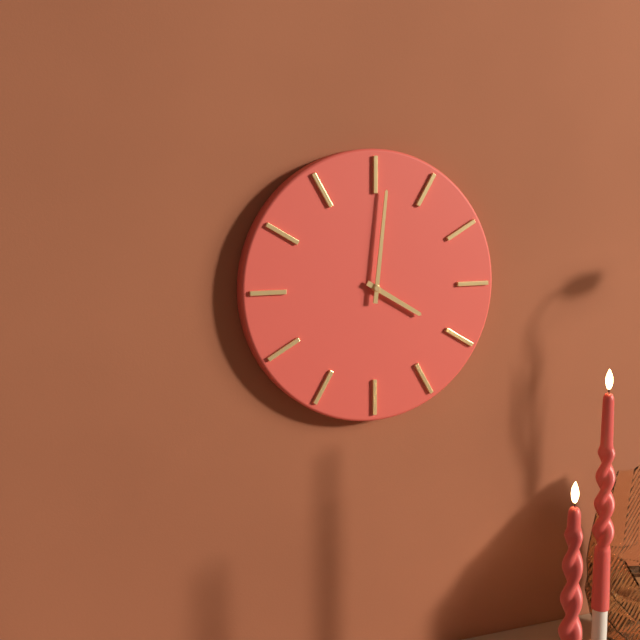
4h01
